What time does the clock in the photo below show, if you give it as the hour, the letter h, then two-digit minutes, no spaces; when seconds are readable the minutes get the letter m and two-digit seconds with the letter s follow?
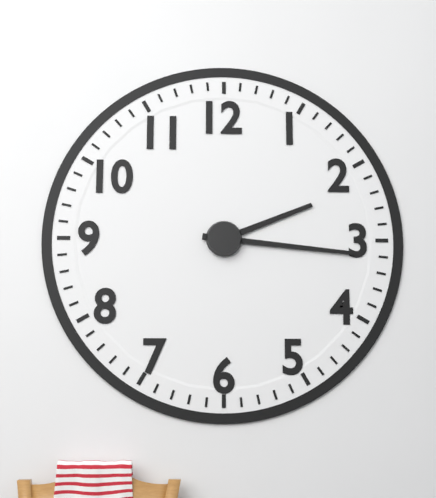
2h16
